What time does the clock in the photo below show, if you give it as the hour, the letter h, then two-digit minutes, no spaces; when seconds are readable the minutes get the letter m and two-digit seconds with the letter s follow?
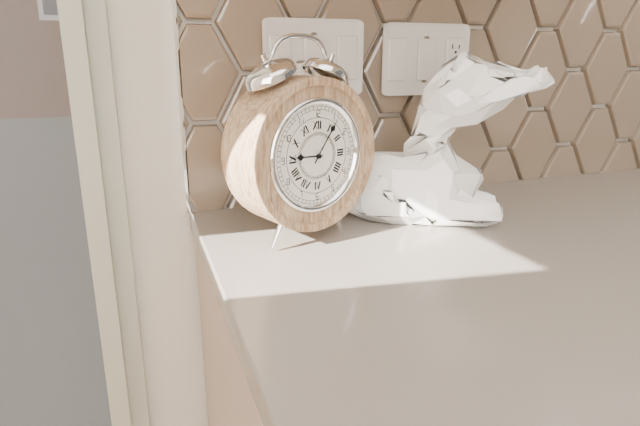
9h06
